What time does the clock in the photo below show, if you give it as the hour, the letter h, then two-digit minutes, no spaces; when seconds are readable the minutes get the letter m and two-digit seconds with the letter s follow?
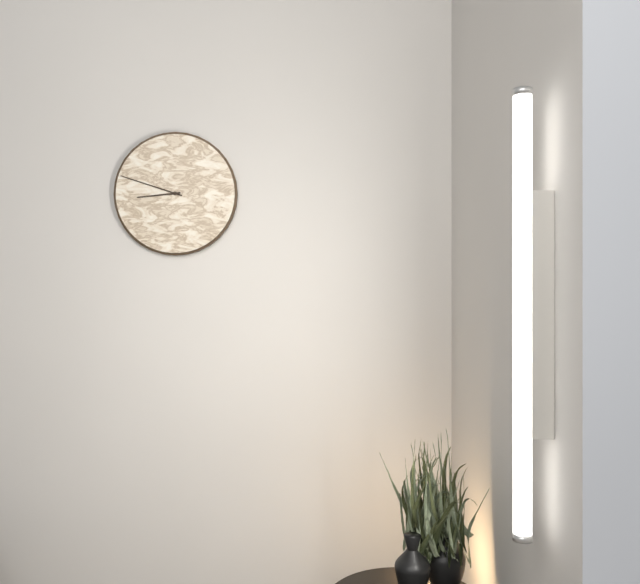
8h48
